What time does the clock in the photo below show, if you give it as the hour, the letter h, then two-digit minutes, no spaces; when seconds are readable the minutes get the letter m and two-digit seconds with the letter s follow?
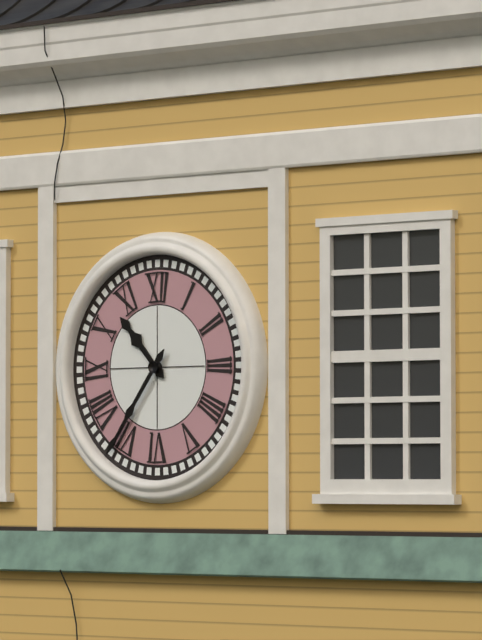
10h36
